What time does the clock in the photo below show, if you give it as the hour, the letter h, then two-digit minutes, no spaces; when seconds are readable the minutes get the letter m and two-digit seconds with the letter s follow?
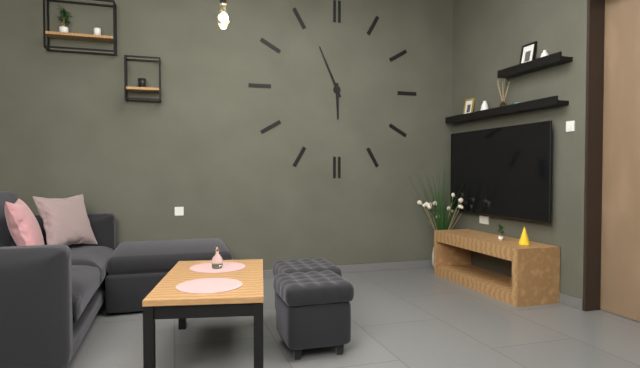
5h56
